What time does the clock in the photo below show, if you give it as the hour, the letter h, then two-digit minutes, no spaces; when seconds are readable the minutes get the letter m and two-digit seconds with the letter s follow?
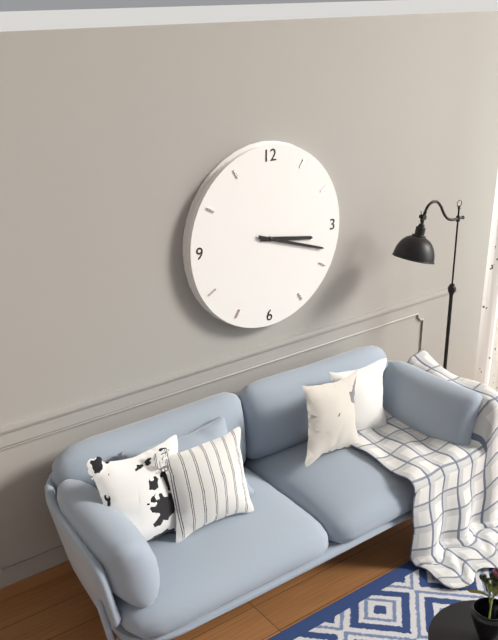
3h18
